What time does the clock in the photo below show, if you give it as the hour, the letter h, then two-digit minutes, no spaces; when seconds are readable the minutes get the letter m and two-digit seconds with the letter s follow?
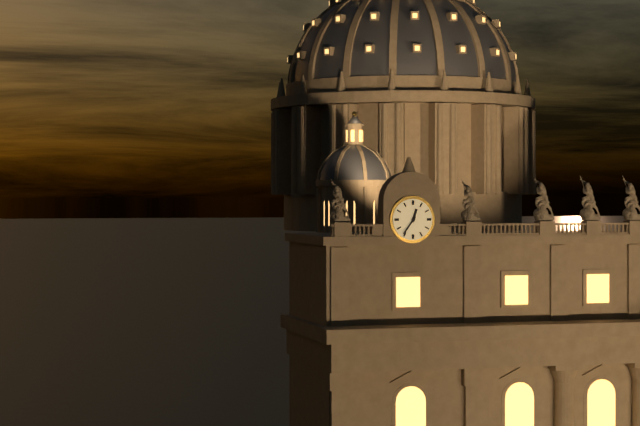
12h36
